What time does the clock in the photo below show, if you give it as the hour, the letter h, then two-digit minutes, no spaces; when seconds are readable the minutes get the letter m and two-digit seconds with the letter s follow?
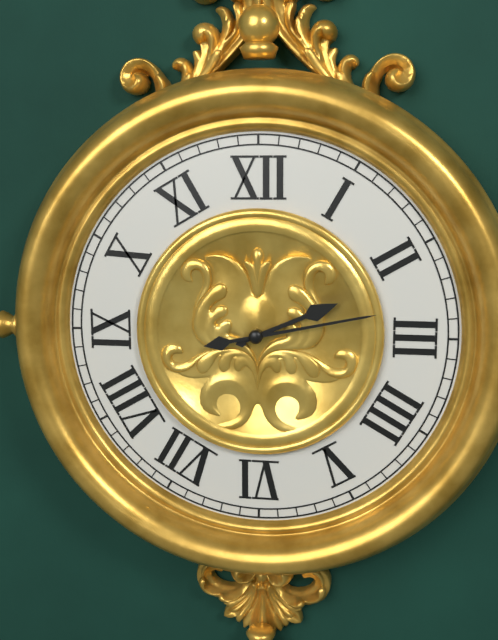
2h13
